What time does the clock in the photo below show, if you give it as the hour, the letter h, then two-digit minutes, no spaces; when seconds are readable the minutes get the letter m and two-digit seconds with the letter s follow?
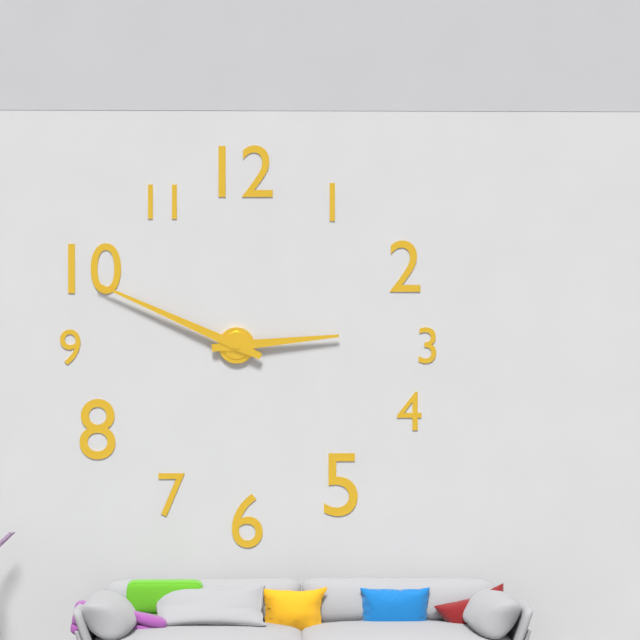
2h49
